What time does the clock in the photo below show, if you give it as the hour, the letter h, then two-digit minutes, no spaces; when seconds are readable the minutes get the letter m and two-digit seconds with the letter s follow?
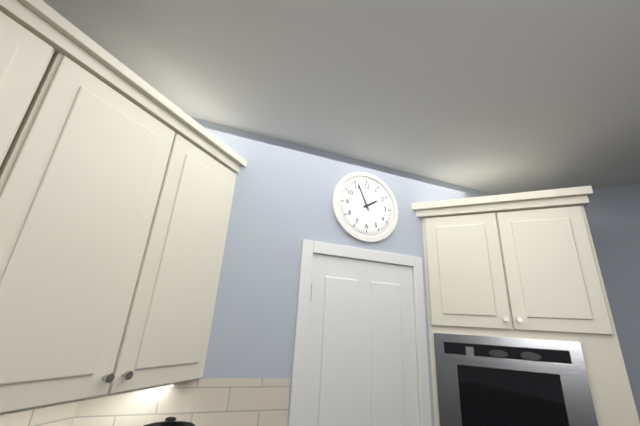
1h56
